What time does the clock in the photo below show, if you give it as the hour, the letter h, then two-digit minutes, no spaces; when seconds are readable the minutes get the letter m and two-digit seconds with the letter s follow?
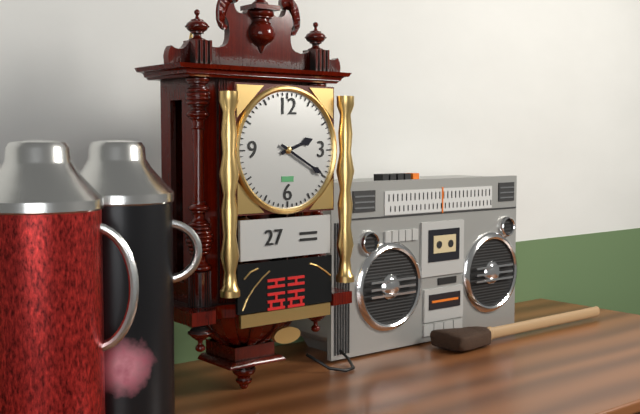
2h20
